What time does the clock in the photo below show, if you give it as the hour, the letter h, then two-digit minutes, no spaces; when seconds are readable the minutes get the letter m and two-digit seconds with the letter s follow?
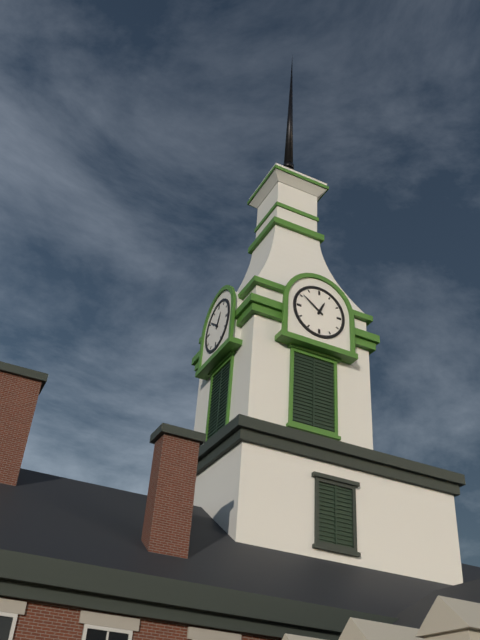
12h51
